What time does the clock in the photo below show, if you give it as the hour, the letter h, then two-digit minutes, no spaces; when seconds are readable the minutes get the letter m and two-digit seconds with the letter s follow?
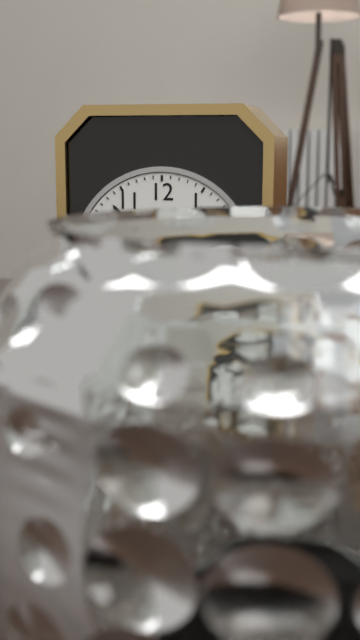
1h53
